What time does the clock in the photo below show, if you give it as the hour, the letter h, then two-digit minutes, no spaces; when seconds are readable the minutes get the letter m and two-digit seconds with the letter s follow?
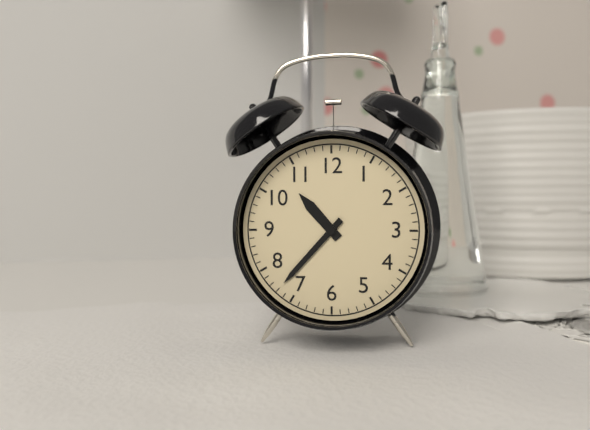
10h37
